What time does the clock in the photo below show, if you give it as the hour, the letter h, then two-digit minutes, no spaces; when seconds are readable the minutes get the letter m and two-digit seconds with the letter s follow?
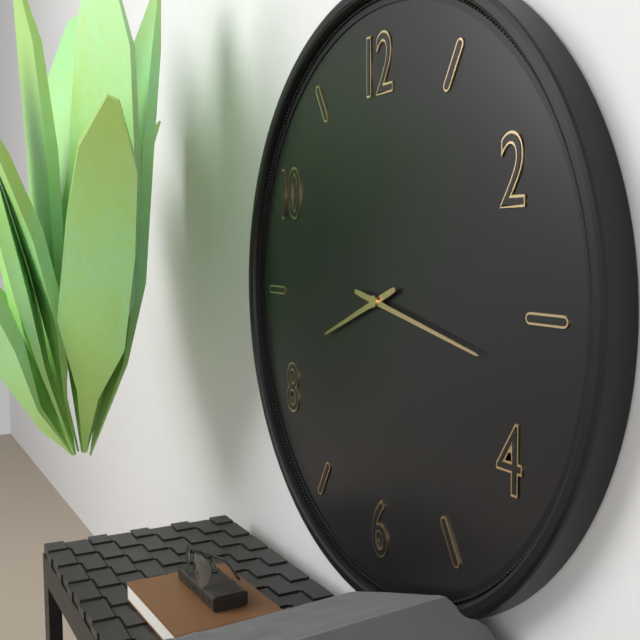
8h17
